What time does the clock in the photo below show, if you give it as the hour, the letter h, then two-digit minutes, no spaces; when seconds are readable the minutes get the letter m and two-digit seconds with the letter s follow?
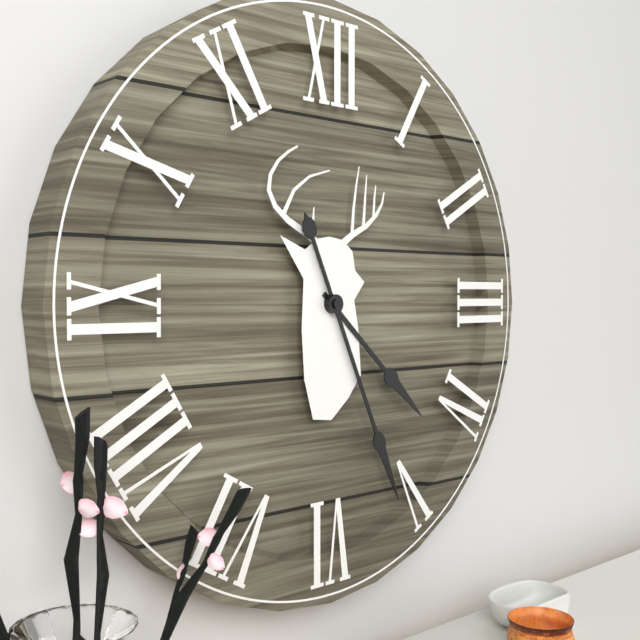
4h26
